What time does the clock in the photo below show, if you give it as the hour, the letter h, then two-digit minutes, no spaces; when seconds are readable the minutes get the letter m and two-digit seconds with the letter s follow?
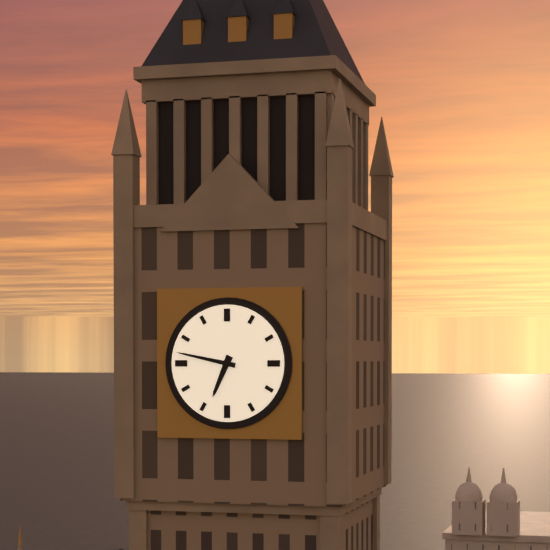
6h47
